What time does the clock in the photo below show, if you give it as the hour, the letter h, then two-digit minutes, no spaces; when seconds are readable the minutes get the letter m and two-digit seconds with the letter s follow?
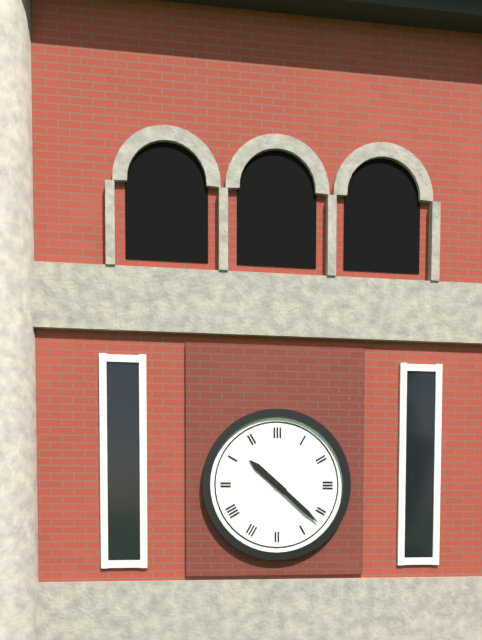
10h22
